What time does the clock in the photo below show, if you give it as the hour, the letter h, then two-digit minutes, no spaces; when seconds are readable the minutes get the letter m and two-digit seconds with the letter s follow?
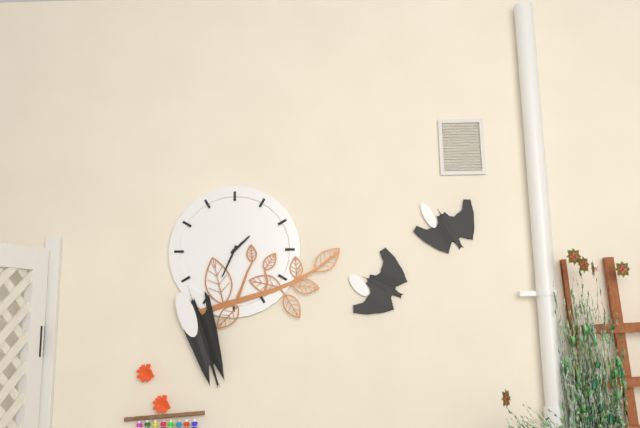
1h34
